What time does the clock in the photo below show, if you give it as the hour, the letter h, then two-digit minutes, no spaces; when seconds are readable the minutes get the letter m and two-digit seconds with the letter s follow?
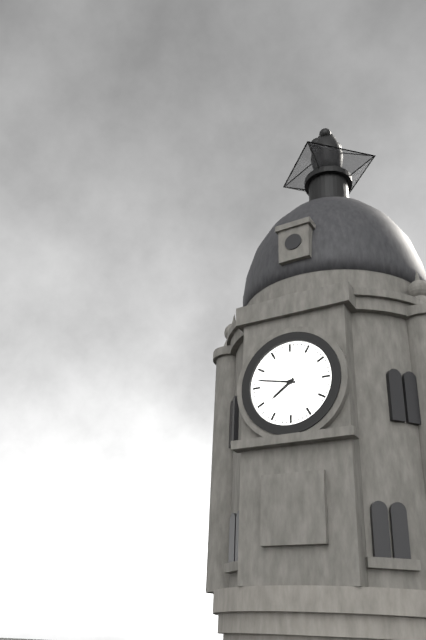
7h47
